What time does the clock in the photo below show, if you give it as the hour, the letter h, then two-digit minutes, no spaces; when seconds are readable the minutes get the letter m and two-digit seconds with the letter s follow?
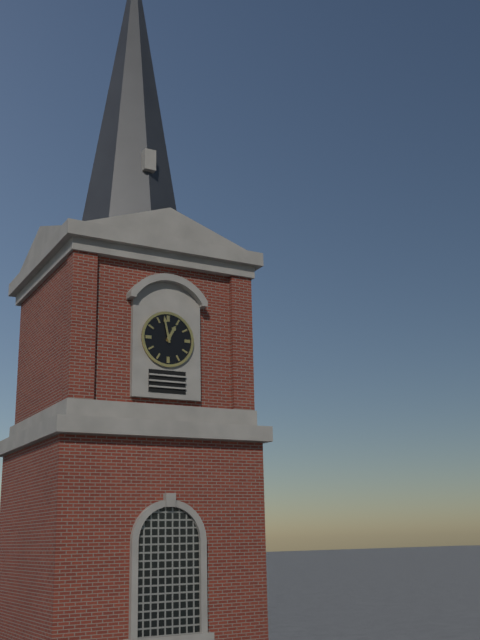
12h58
